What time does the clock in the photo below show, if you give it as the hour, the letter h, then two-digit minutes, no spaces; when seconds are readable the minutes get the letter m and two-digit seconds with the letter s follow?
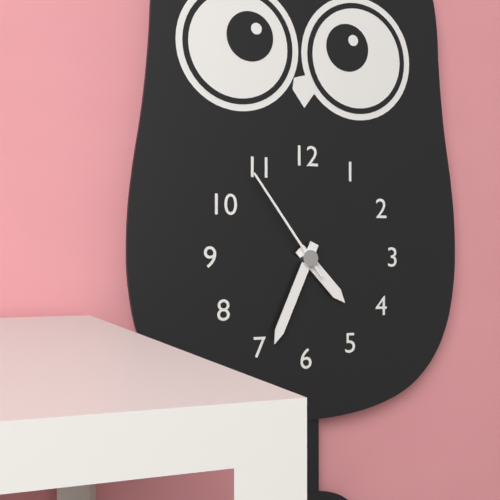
4h34m54s
